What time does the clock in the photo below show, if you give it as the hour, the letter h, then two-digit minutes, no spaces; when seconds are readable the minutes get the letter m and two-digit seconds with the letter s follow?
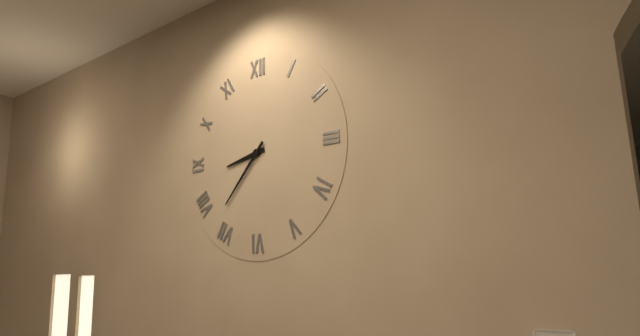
8h37
